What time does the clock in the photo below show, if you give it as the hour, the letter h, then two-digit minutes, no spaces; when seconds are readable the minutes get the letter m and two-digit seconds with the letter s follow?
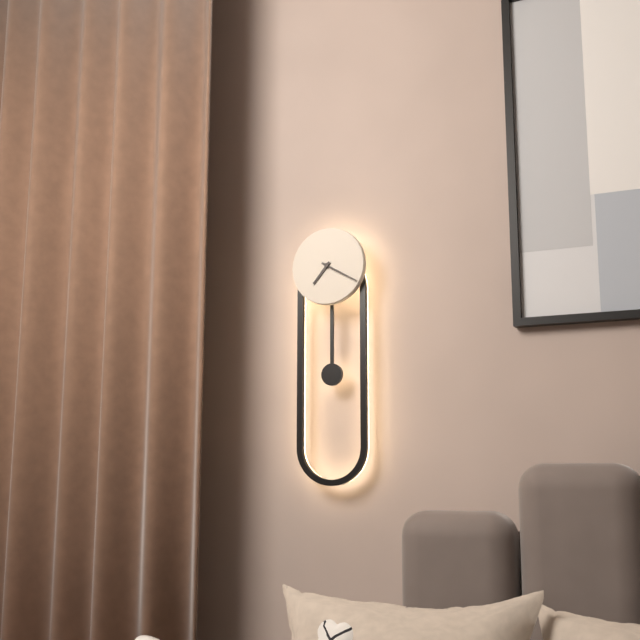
7h20
